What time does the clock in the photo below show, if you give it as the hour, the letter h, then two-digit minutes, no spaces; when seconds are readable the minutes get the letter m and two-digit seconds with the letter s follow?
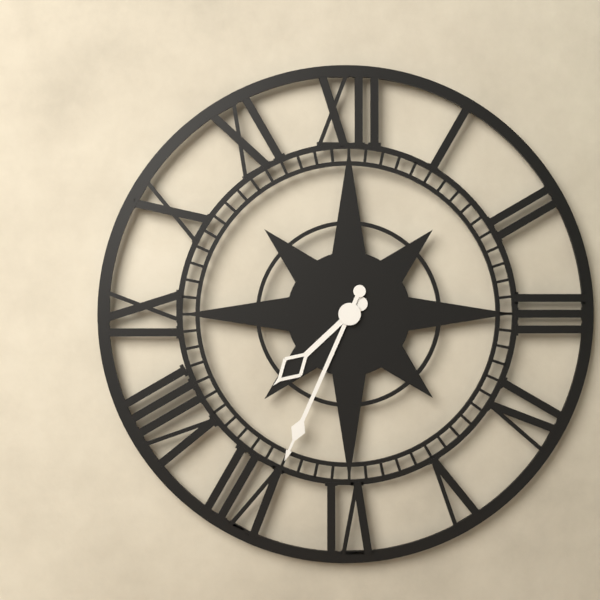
7h34
